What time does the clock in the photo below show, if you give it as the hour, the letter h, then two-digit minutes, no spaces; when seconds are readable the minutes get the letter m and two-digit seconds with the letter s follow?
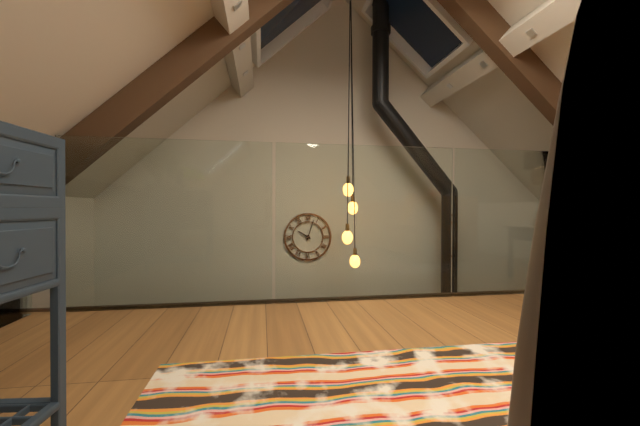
10h03
